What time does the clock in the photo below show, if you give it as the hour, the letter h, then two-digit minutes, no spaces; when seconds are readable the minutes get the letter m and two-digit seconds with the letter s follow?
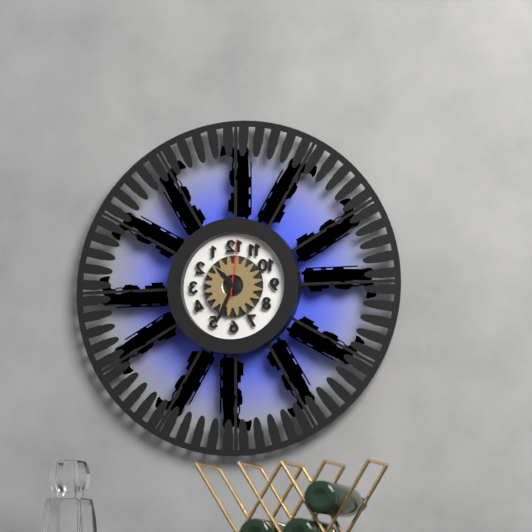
10h34m01s
